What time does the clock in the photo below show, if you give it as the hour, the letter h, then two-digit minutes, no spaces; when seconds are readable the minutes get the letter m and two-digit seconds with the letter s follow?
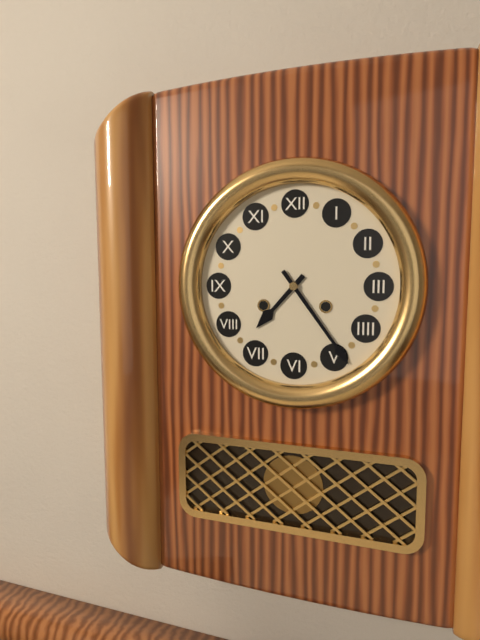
7h24
